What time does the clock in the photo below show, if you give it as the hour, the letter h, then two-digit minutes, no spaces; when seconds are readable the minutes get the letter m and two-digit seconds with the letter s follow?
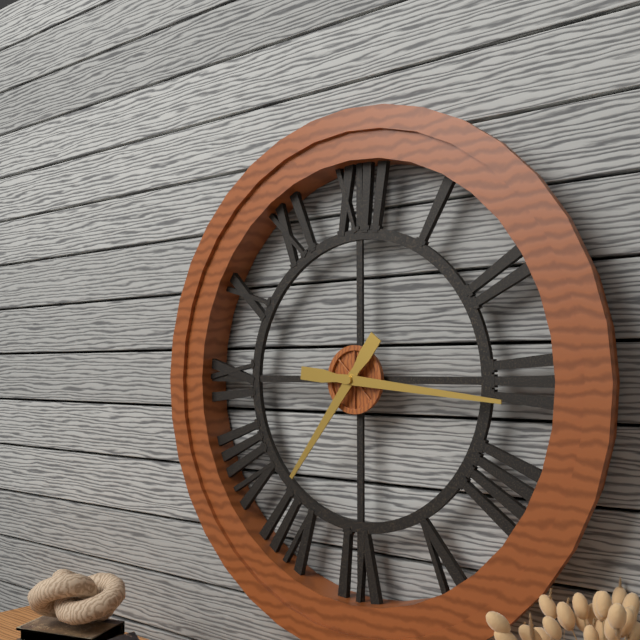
7h16
